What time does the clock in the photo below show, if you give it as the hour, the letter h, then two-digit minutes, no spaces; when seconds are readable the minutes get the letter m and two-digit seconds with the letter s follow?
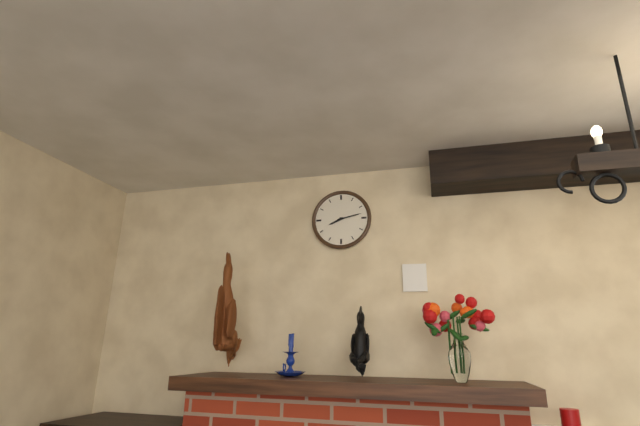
8h13
